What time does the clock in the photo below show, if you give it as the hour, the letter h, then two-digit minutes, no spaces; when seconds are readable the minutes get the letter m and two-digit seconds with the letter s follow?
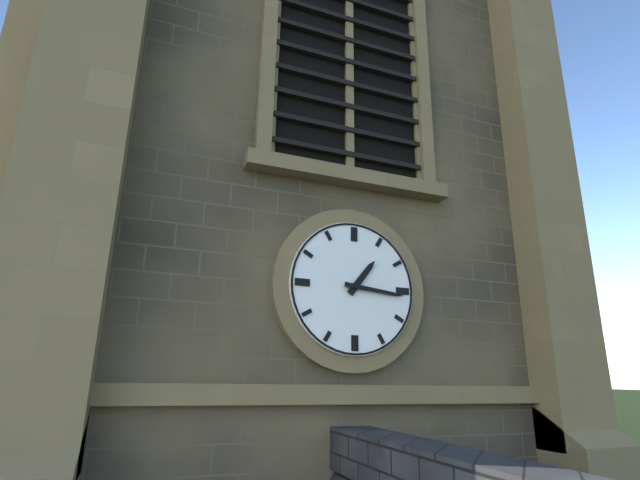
1h16
